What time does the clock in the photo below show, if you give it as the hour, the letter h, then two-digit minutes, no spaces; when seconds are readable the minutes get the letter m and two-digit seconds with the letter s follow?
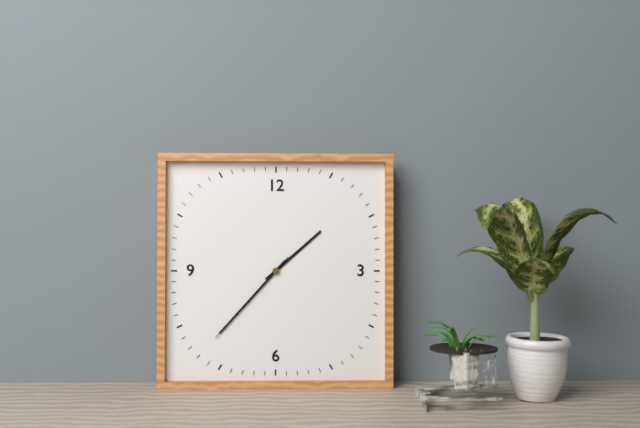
1h37m37s
